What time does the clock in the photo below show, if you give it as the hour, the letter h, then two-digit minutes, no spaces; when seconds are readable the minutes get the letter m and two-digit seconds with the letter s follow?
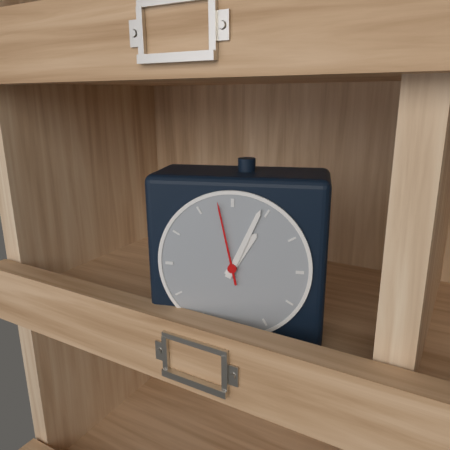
1h04m58s
